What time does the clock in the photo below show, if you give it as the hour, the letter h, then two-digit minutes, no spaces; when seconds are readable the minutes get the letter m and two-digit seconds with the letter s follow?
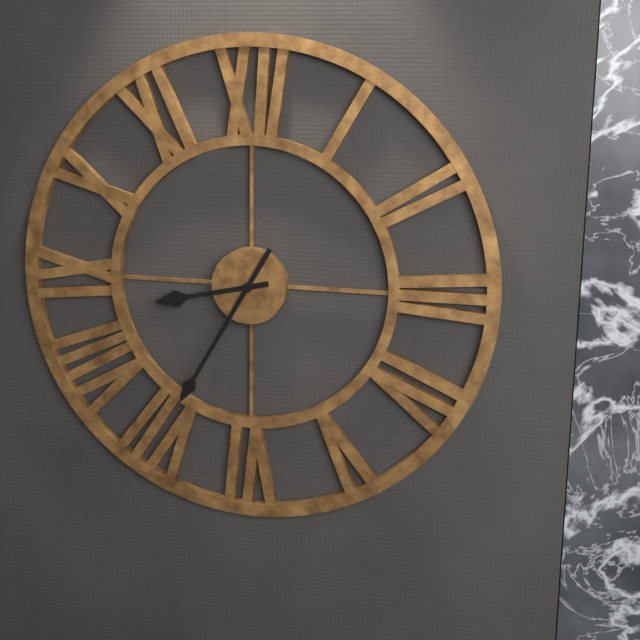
8h35
